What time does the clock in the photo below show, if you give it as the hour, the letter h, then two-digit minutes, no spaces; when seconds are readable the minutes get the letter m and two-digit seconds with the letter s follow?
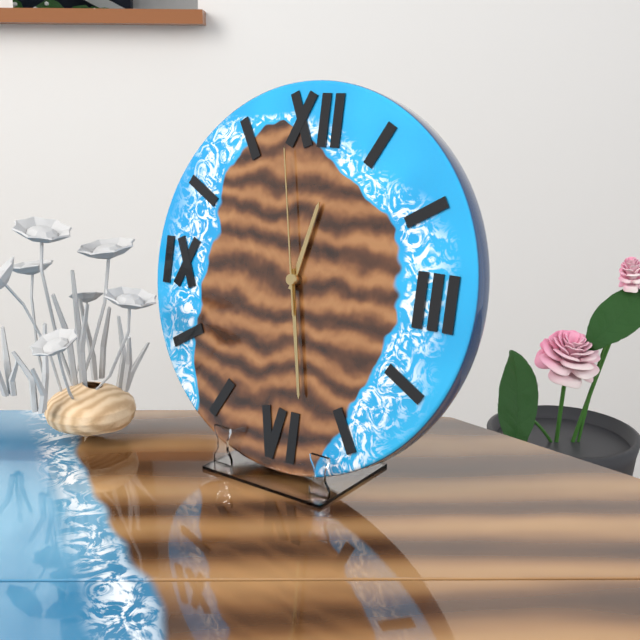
12h28m58s
